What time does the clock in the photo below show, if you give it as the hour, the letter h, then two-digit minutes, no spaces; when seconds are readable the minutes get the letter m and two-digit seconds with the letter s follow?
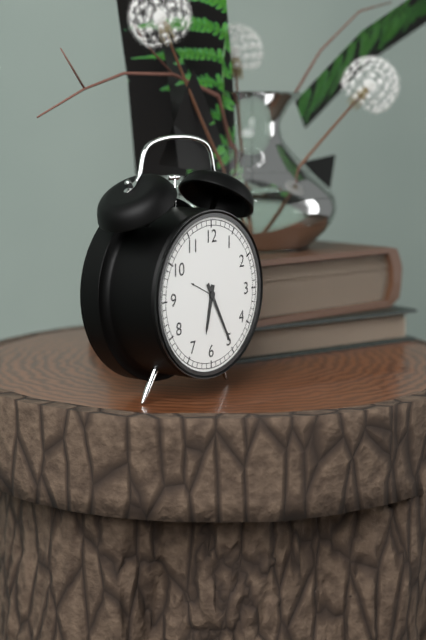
6h25
